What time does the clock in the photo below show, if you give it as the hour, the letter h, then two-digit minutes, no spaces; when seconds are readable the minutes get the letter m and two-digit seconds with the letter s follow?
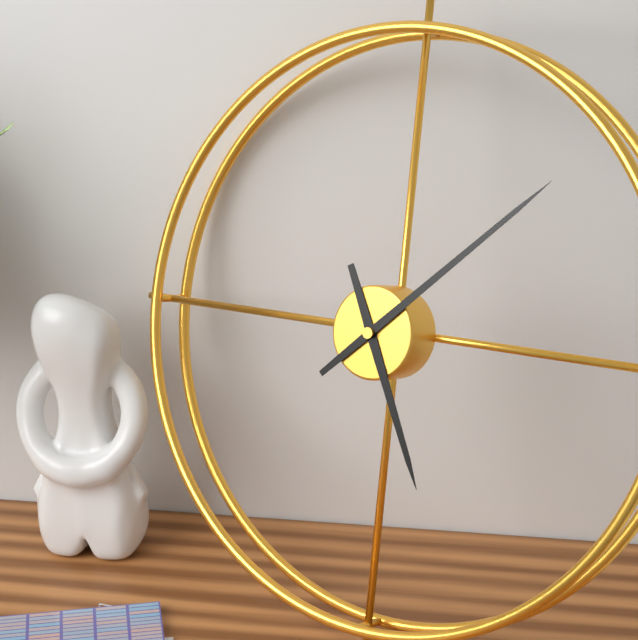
5h08
